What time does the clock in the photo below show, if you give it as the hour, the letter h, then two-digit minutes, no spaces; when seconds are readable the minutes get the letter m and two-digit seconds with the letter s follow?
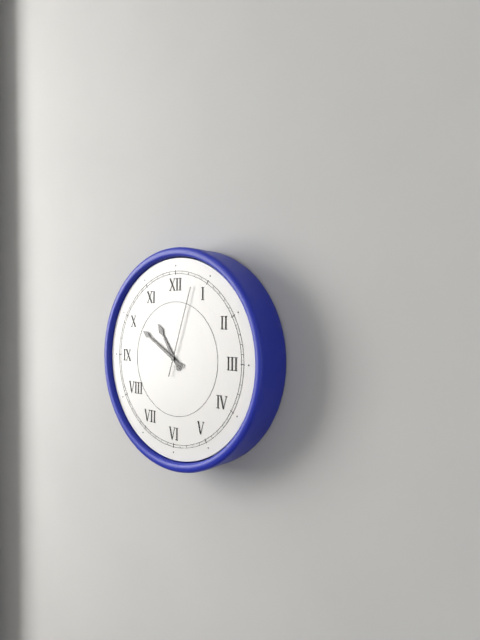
10h50m03s
